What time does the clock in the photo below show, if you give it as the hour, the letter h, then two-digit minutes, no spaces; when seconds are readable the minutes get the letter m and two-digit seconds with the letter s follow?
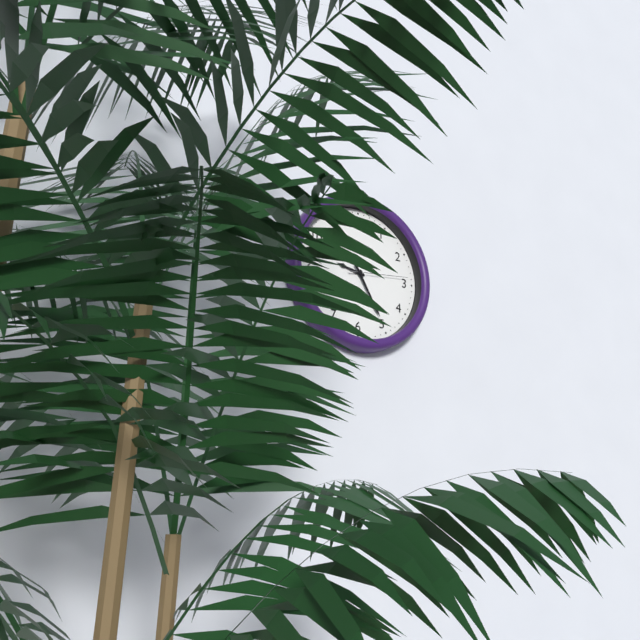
9h25m14s
